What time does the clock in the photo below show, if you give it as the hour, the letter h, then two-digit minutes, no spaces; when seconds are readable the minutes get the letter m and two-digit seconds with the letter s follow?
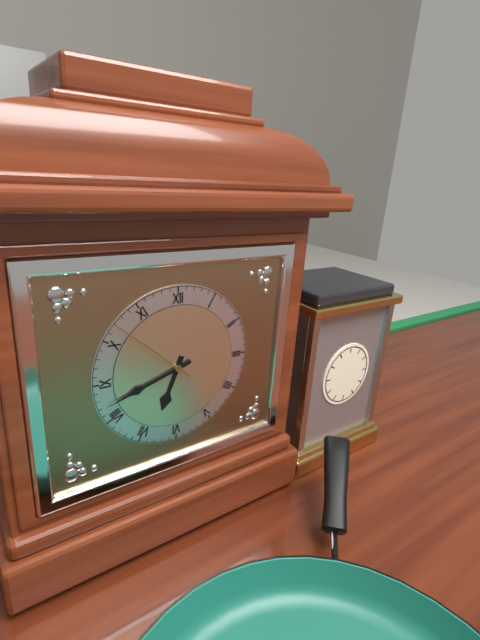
6h42m52s
